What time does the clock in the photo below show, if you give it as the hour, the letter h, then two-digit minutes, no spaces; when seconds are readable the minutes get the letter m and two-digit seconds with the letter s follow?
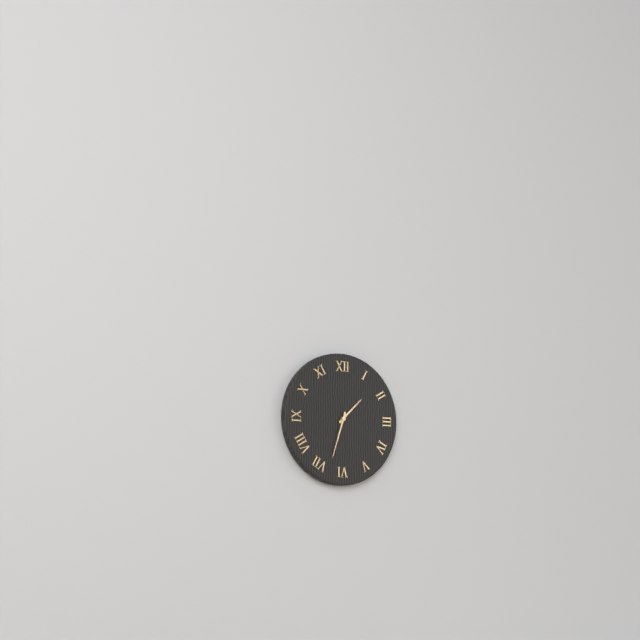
1h33
